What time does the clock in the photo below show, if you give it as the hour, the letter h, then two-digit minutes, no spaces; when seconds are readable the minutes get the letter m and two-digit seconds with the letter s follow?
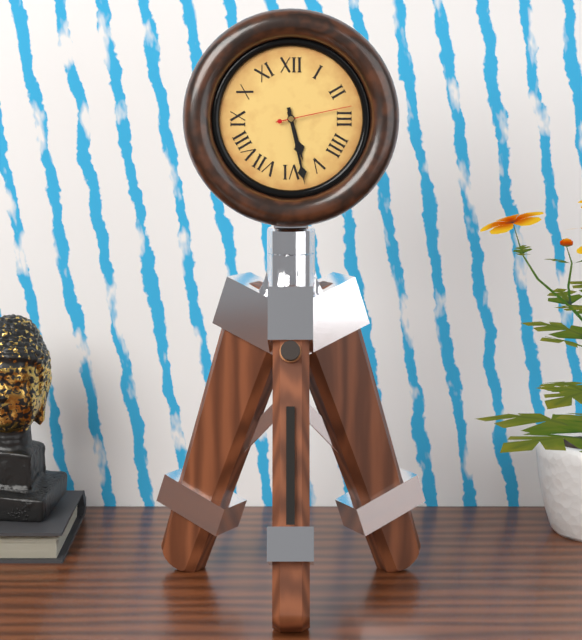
5h28m13s
